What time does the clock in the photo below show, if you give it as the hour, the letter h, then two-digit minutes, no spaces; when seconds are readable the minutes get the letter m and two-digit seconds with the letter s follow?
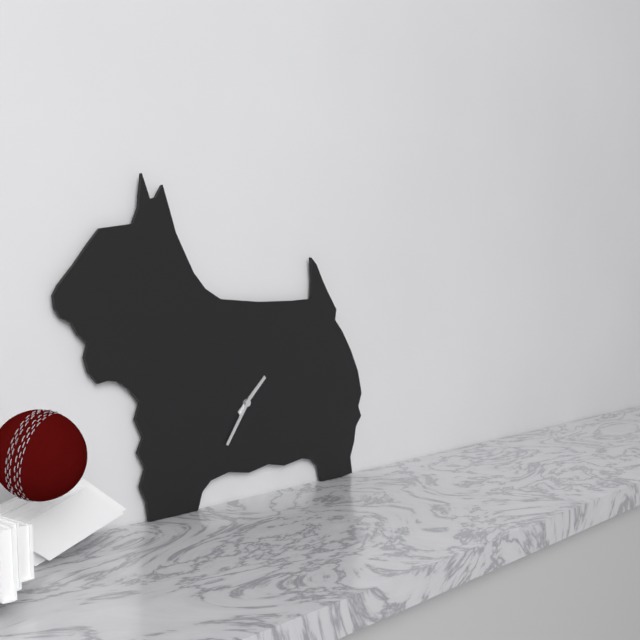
1h36
